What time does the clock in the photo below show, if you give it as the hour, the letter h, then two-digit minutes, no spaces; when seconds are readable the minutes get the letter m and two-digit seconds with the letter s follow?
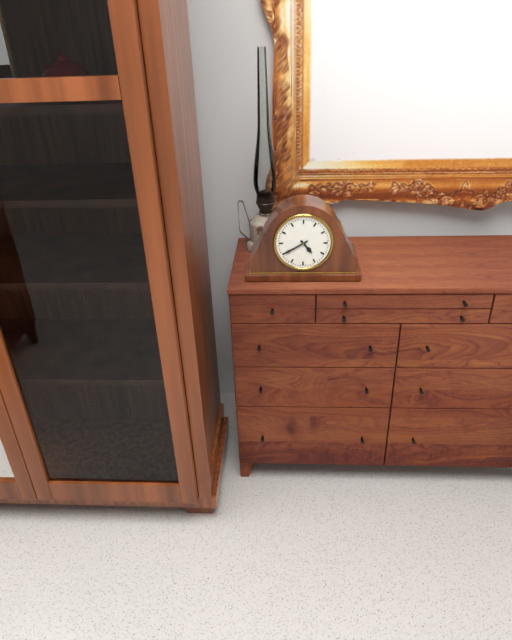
4h40
